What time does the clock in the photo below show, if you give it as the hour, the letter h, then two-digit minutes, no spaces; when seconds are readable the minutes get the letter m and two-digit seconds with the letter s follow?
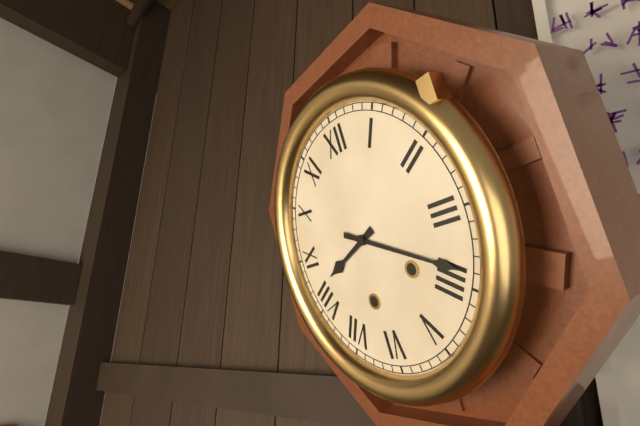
8h19
